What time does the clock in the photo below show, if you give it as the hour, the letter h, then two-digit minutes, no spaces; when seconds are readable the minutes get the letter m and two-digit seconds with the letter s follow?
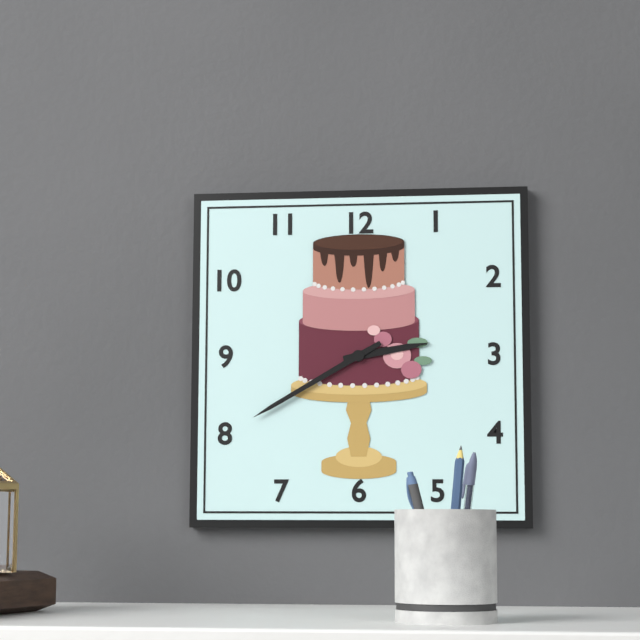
2h40
